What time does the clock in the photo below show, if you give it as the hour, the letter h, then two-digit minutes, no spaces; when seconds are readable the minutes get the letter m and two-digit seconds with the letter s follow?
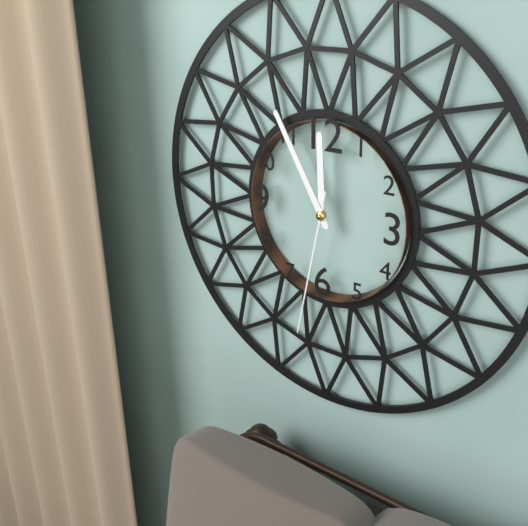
11h55m32s
